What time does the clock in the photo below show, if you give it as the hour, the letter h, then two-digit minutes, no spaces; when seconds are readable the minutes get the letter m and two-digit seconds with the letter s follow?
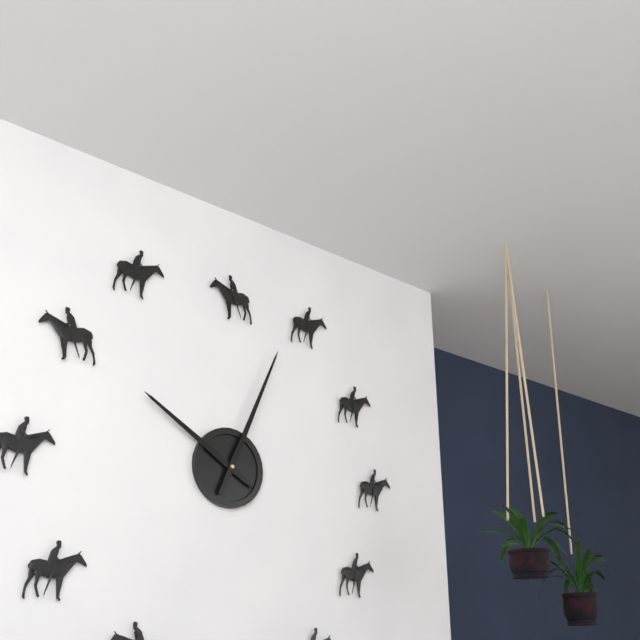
10h04
